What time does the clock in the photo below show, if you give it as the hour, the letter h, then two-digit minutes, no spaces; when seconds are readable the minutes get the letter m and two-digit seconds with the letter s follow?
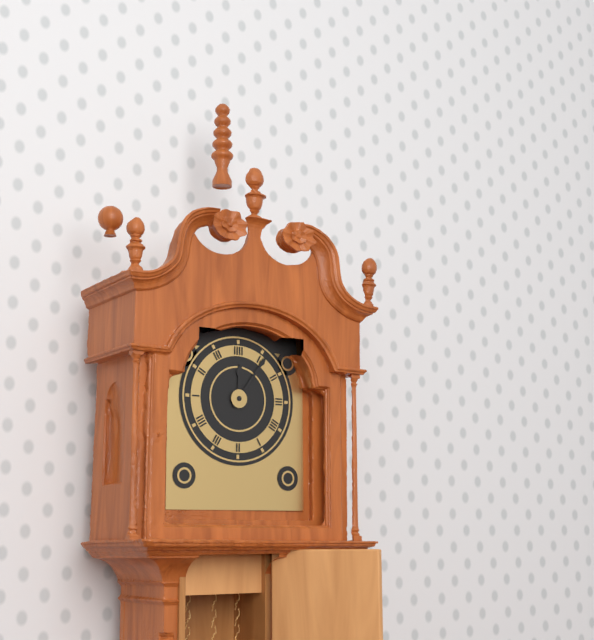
12h06
